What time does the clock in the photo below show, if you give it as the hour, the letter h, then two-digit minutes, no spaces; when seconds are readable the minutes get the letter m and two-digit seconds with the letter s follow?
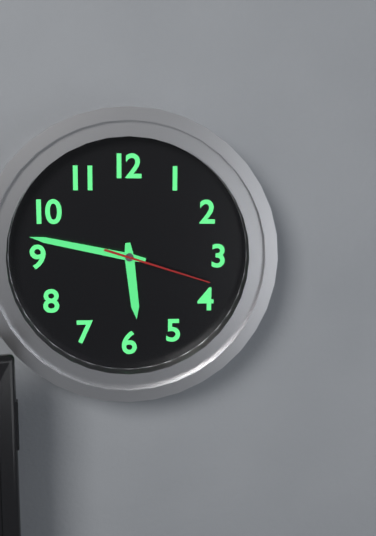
5h47m18s
